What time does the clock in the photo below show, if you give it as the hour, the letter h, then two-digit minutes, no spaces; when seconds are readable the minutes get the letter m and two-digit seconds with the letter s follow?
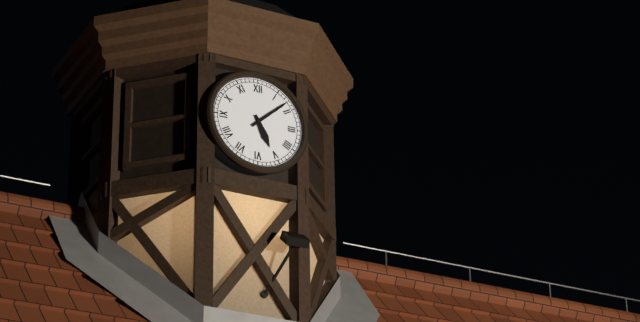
5h08
